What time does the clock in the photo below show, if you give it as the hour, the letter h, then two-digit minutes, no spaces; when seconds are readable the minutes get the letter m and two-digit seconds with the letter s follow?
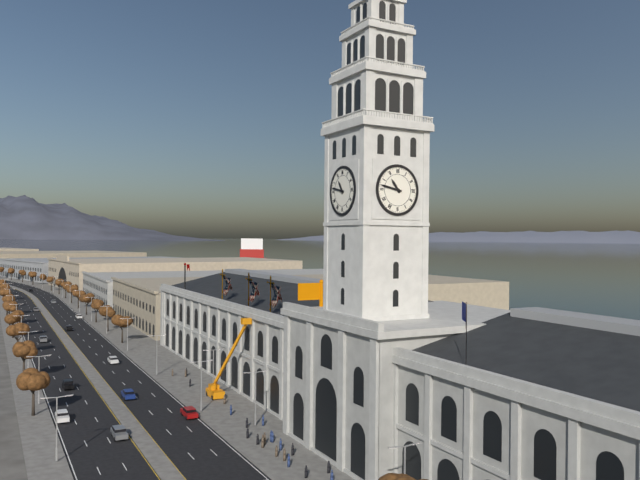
10h47
